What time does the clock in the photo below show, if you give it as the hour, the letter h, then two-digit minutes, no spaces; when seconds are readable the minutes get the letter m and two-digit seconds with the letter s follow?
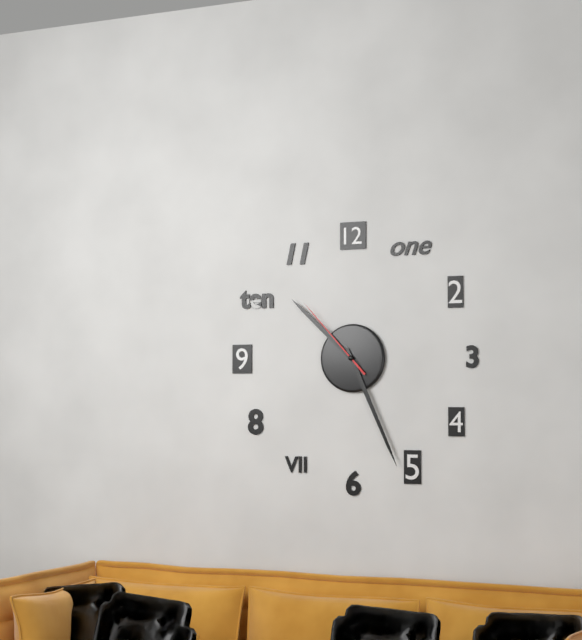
10h26m53s
